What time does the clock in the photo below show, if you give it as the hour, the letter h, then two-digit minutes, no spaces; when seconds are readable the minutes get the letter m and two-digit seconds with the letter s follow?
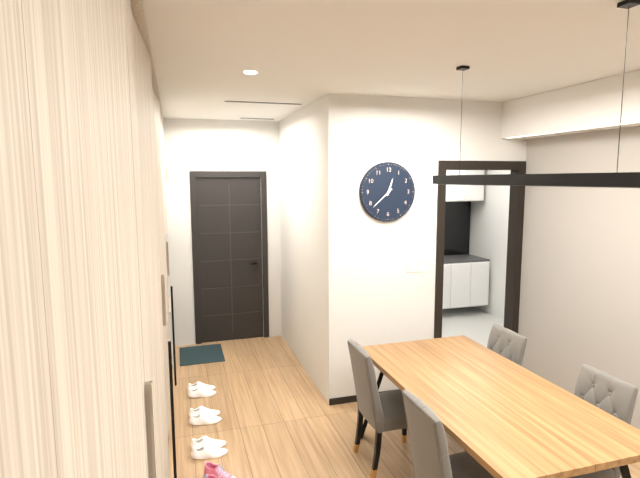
12h38
